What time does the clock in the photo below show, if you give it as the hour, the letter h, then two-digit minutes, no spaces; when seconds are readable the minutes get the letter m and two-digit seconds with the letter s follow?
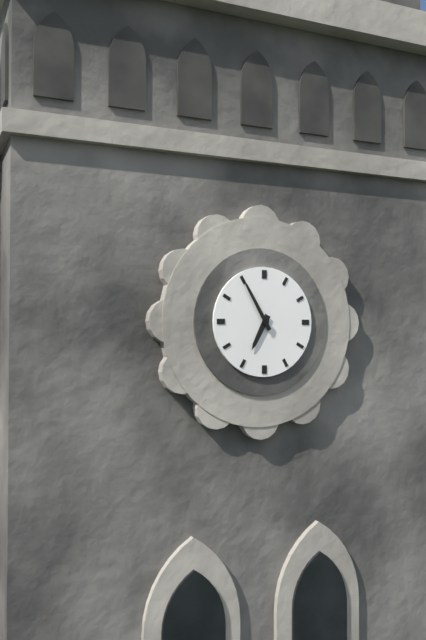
6h55
